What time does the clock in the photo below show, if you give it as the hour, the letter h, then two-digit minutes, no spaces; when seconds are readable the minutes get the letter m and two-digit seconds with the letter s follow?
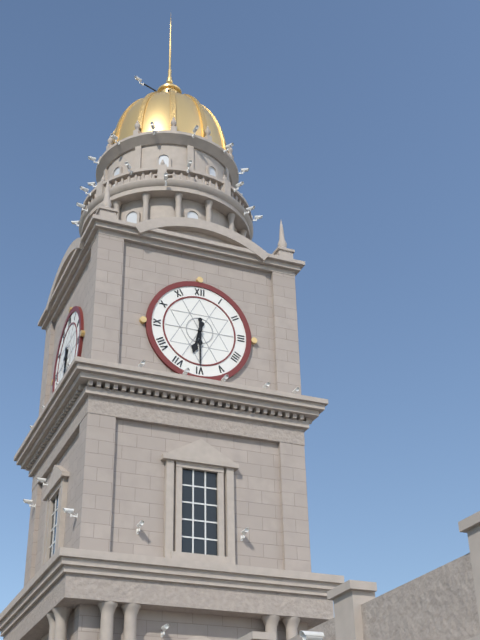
6h30
